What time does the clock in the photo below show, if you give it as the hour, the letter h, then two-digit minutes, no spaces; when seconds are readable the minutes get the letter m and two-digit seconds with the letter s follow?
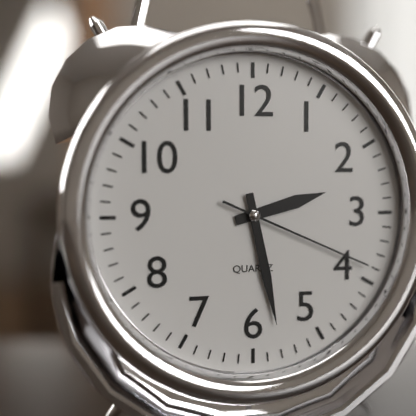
2h28m19s
